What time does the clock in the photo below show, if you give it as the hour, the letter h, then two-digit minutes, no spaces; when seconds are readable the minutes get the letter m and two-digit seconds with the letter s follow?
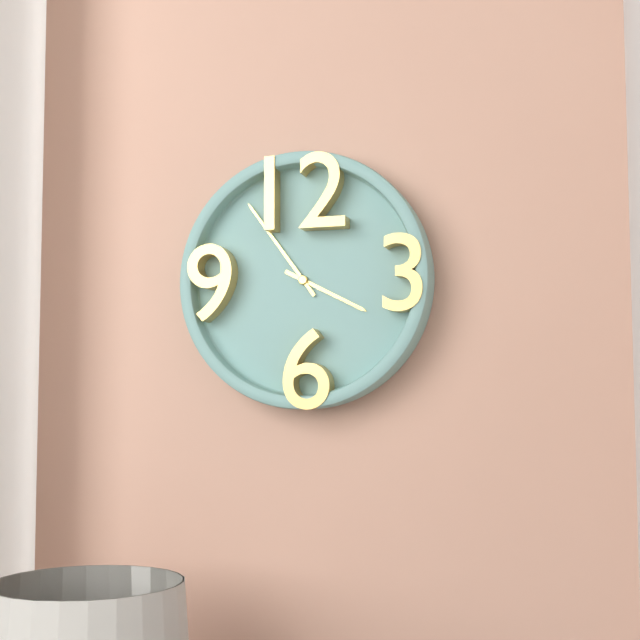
3h54
